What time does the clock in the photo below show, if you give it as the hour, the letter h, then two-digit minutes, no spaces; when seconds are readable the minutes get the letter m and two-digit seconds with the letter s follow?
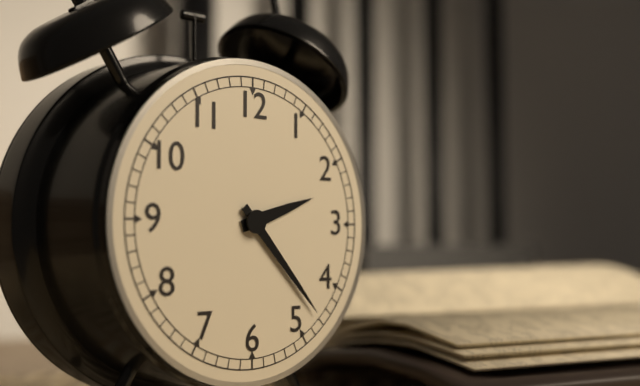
2h23
